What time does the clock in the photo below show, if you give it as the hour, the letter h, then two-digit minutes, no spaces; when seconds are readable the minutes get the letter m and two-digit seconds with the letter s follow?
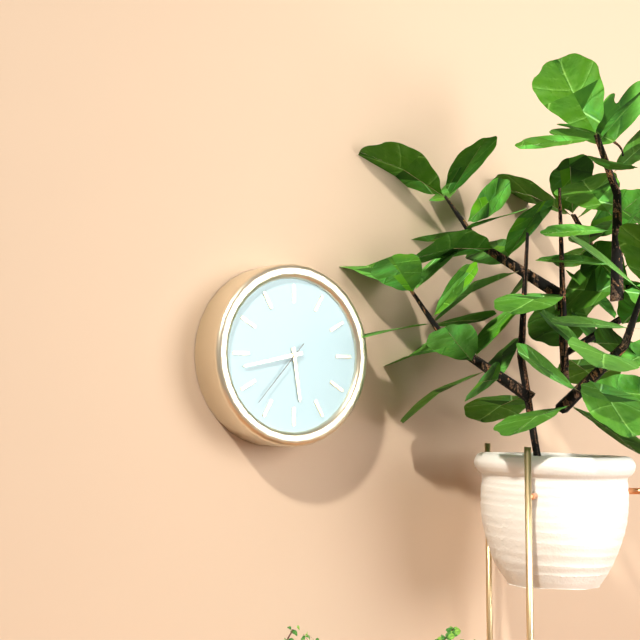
5h43m37s
